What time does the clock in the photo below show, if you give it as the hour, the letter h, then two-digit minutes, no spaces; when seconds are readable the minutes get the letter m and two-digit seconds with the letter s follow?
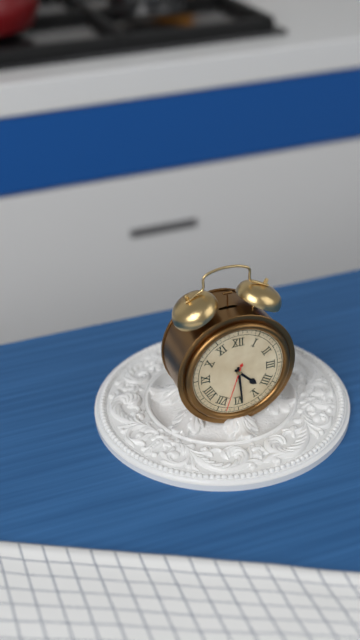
4h29m33s
